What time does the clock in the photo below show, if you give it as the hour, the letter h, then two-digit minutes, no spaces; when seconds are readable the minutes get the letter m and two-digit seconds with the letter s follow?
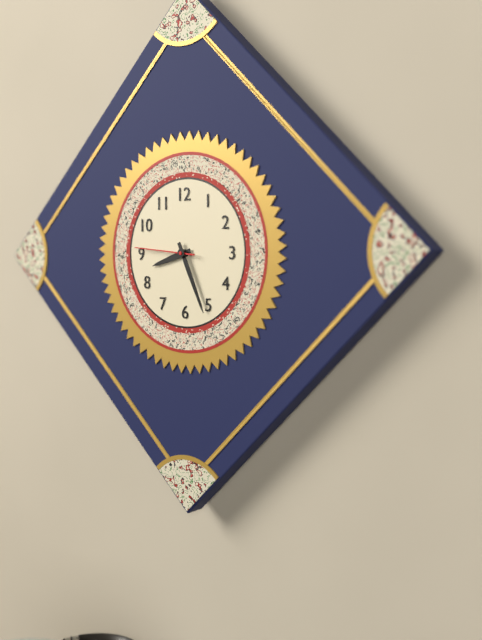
8h26m46s
